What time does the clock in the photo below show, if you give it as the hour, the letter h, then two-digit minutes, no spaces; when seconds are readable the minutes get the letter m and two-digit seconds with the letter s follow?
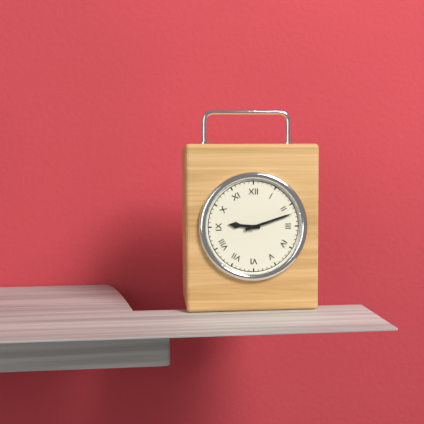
9h12
